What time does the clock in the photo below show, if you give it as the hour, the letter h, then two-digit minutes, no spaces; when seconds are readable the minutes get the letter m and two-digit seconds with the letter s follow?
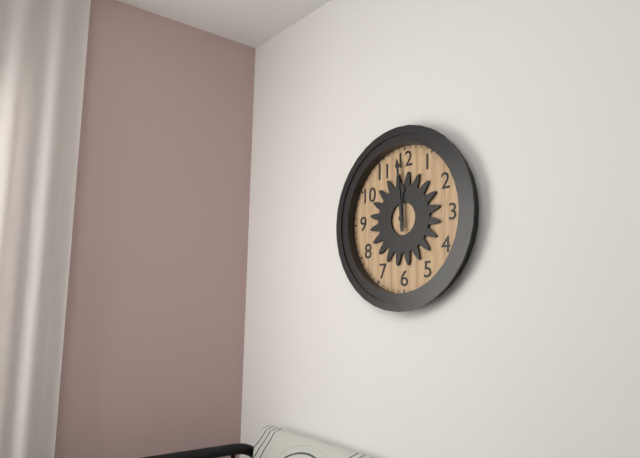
11h59
